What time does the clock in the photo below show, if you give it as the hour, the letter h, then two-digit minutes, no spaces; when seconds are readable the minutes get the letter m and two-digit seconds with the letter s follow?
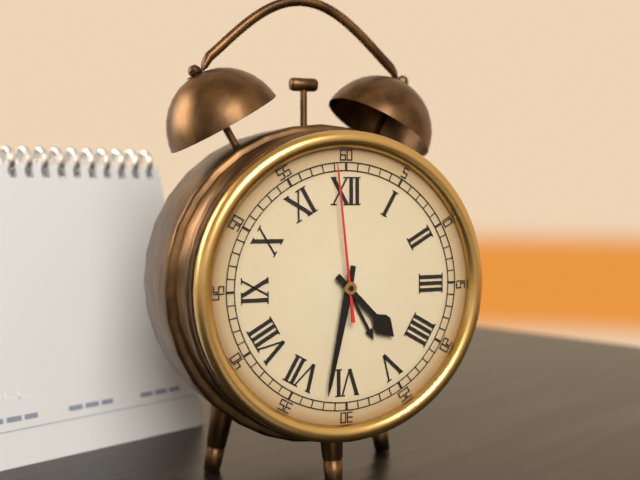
4h32m59s
